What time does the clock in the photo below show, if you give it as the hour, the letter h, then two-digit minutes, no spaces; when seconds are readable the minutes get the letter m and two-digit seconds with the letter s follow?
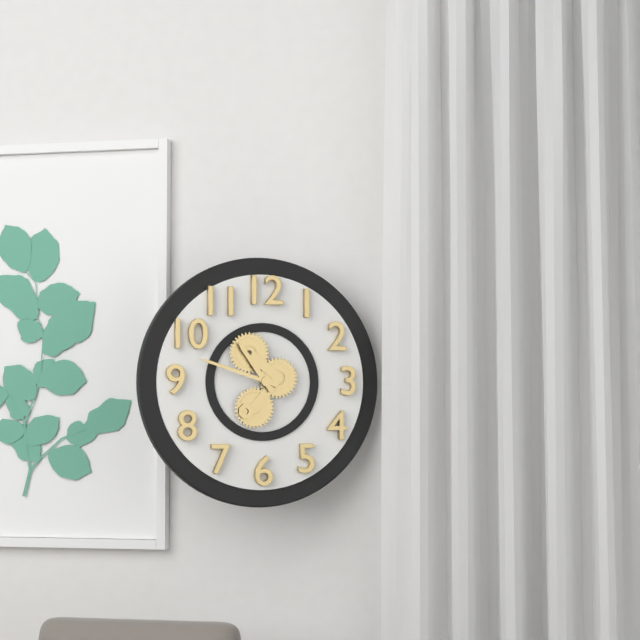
10h48
